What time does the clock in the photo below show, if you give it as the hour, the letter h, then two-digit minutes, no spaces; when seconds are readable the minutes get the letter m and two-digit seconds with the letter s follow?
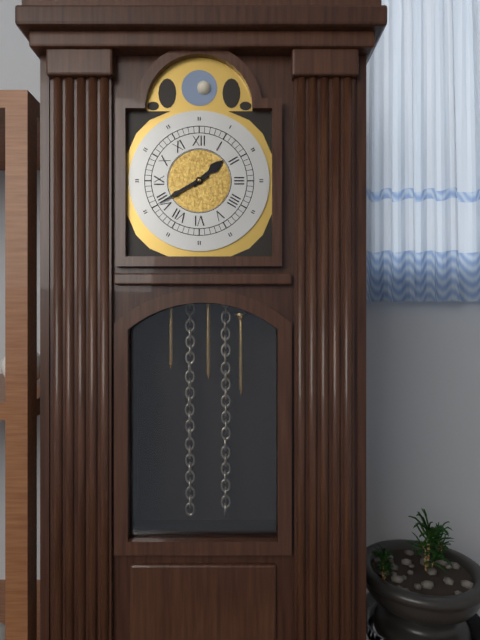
1h40
